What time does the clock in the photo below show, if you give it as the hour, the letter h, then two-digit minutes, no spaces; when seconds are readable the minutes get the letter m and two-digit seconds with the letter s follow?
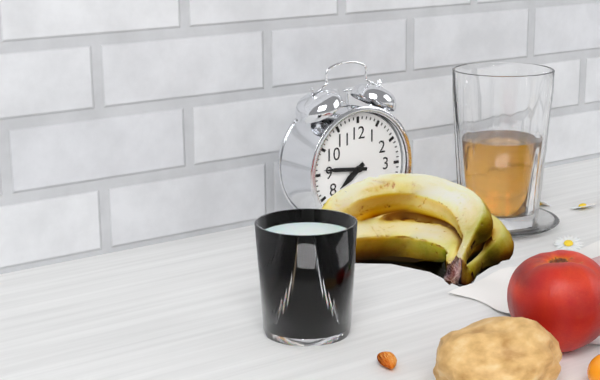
7h46
